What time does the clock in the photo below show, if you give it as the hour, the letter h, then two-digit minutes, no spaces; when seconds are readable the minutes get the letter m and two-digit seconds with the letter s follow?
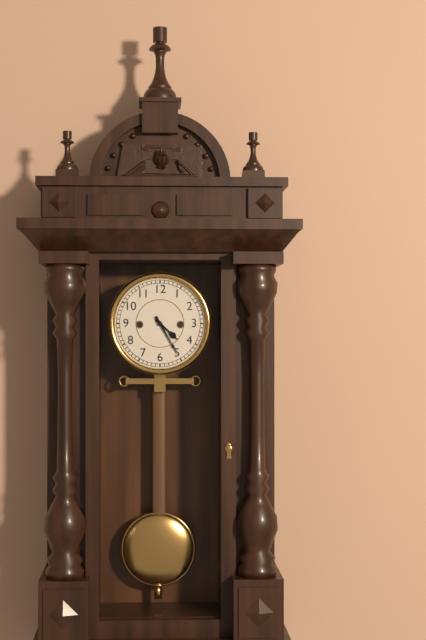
4h25
